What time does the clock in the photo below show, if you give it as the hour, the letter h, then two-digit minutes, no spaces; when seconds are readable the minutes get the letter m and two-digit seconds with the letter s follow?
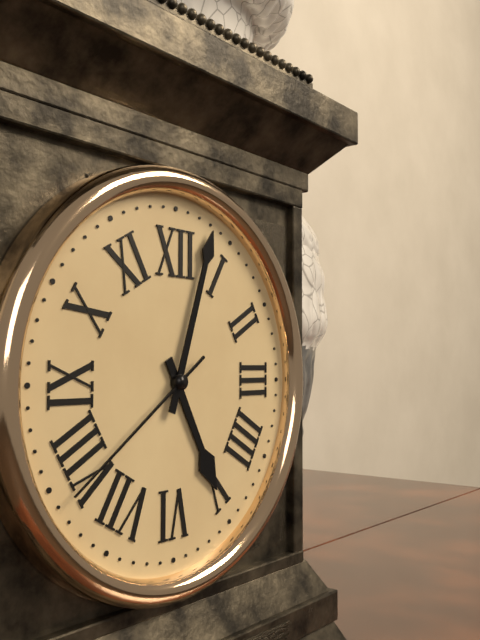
5h03m39s
